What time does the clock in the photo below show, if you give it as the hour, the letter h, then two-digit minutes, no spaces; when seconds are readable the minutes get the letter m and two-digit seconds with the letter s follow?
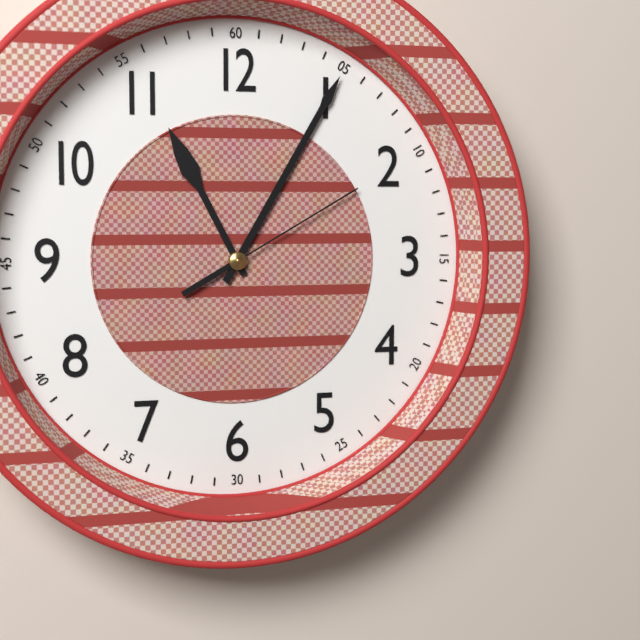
11h05m10s
